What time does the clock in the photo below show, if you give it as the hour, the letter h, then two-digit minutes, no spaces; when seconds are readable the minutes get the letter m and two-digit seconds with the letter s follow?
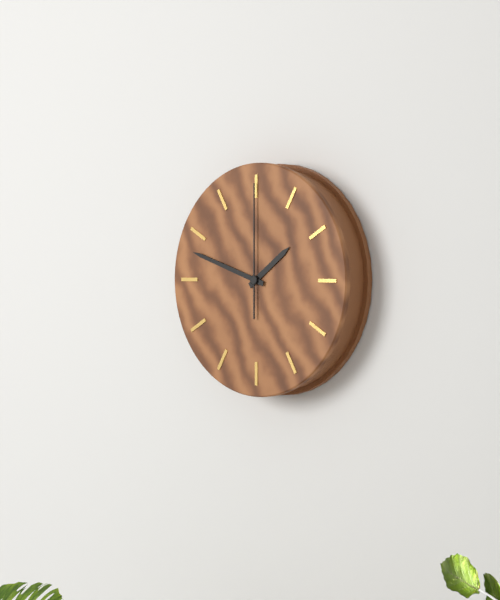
1h48m00s
